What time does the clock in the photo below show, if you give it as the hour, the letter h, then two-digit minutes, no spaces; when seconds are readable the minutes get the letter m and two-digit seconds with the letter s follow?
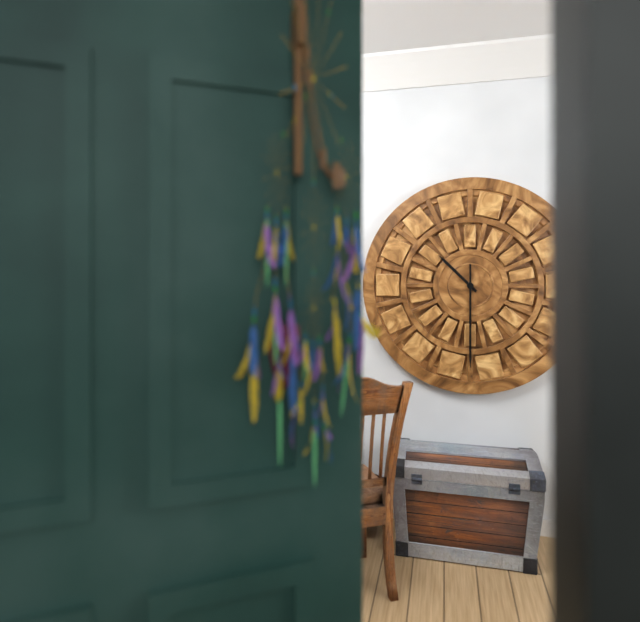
10h30
